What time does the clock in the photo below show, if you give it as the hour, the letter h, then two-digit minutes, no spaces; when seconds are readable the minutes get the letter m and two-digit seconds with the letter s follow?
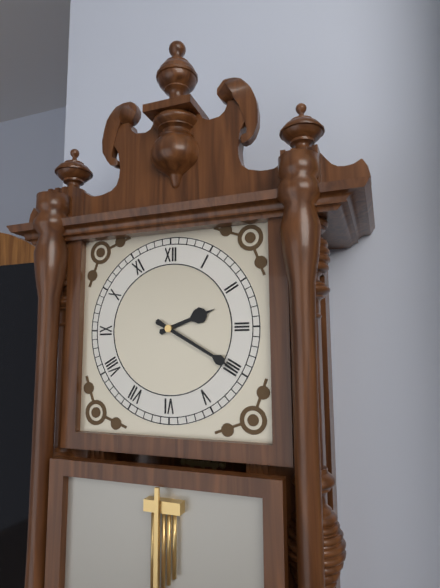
2h20
